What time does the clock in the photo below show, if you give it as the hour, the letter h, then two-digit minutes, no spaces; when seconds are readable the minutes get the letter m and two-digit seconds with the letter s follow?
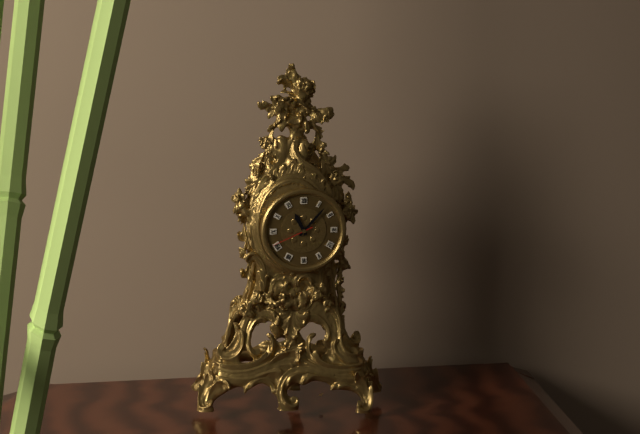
11h07
